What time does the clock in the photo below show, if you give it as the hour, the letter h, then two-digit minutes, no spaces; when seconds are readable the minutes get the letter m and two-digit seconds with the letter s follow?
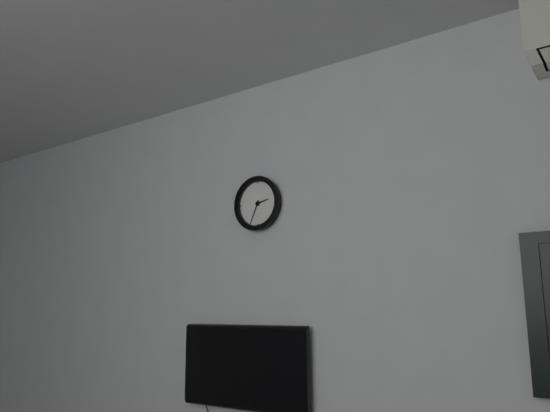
2h34
